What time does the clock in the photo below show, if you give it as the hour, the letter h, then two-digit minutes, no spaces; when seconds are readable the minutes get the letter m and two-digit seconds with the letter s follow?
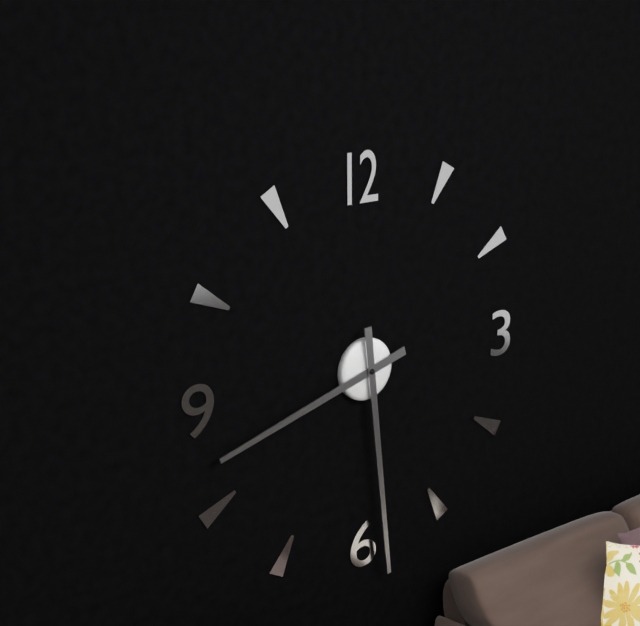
8h29
